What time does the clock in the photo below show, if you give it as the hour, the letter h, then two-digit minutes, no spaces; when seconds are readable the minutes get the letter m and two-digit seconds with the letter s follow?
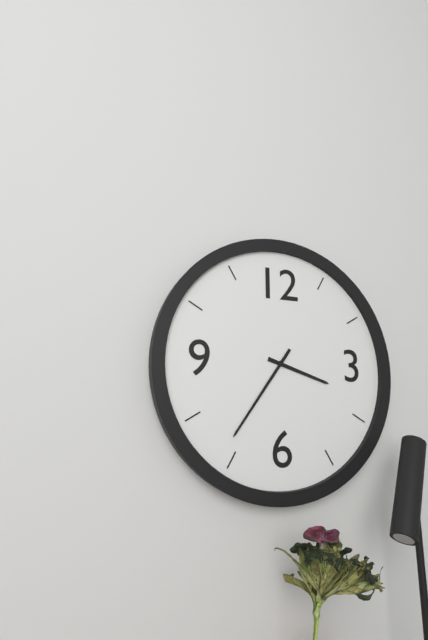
3h36
